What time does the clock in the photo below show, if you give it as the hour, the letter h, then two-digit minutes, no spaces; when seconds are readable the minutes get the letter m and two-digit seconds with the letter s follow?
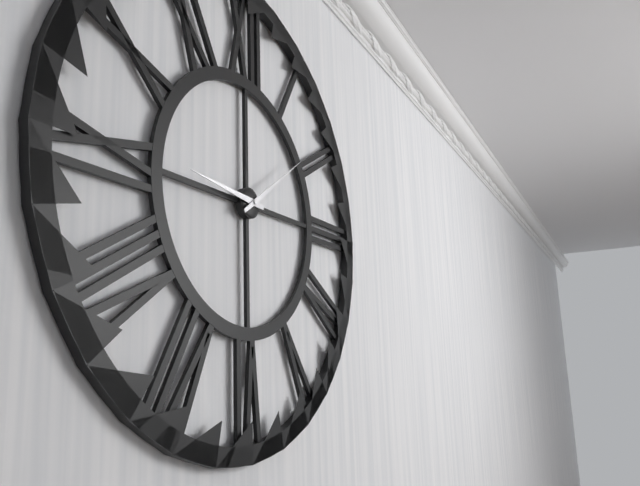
9h09
